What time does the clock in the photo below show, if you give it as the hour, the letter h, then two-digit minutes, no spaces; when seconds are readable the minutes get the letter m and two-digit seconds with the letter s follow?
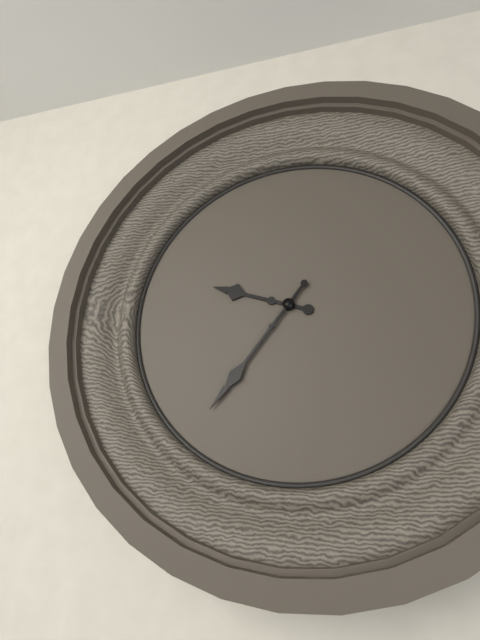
9h36
